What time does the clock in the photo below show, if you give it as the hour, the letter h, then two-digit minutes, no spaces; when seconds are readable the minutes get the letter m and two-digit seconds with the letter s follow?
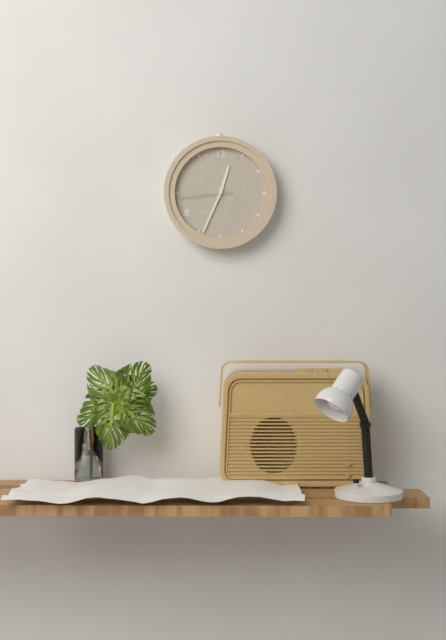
12h34m44s
